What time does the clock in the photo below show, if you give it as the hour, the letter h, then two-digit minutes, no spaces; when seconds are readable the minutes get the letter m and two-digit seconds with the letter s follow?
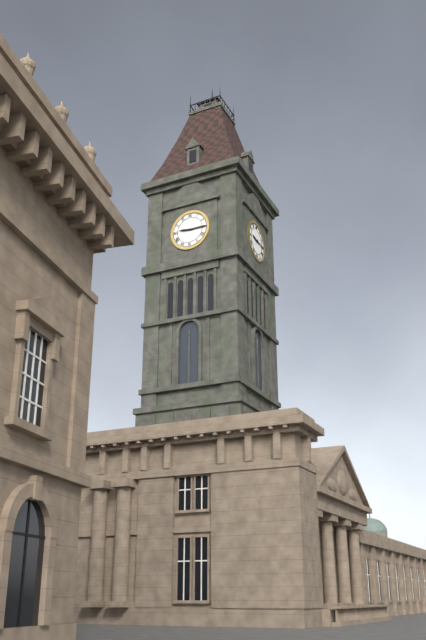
9h15
